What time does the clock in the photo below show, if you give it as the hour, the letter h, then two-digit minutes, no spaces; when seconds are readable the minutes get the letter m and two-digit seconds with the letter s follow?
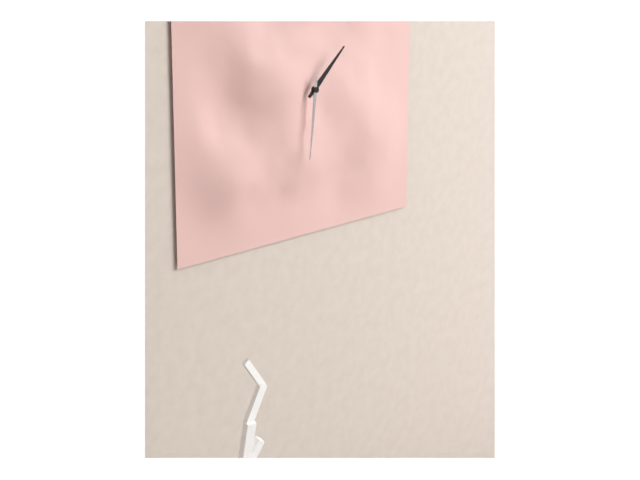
1h31
